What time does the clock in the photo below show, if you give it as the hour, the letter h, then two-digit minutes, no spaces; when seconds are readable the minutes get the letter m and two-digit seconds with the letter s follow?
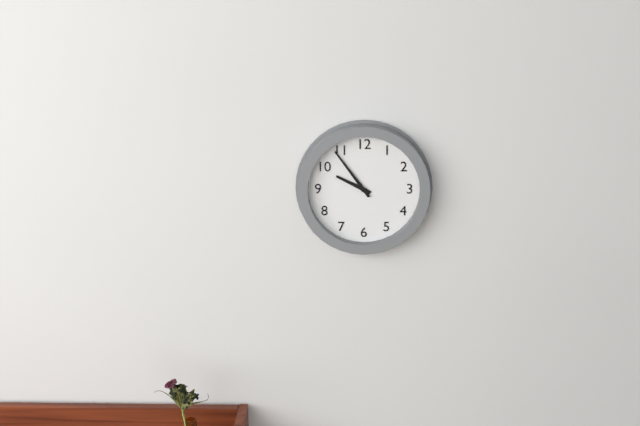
9h54
